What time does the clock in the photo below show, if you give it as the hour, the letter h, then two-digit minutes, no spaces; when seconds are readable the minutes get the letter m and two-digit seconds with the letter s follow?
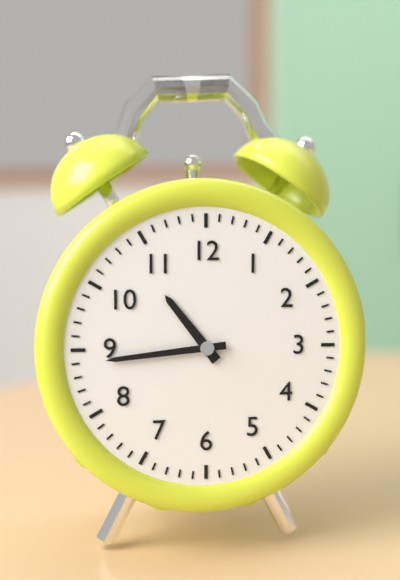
10h44
